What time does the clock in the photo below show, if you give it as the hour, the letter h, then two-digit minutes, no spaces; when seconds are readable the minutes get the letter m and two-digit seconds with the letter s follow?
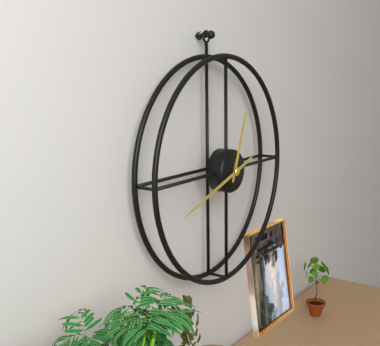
12h42
